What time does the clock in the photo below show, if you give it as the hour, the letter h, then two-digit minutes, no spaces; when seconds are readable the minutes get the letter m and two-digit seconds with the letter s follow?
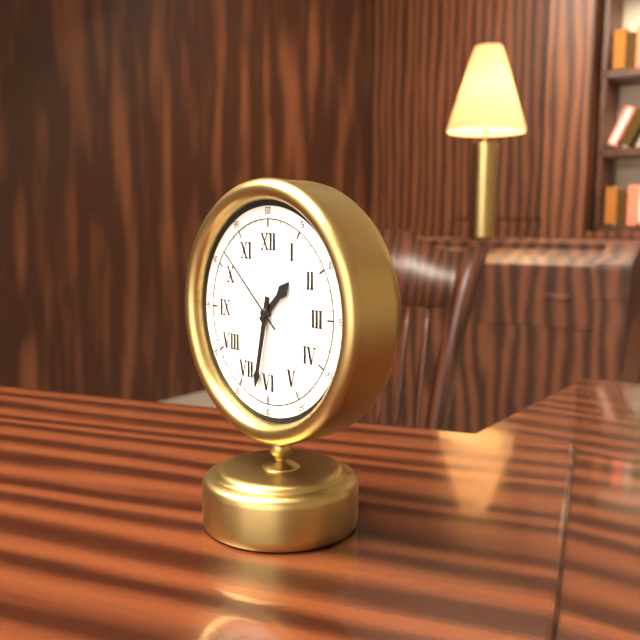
1h32m52s
